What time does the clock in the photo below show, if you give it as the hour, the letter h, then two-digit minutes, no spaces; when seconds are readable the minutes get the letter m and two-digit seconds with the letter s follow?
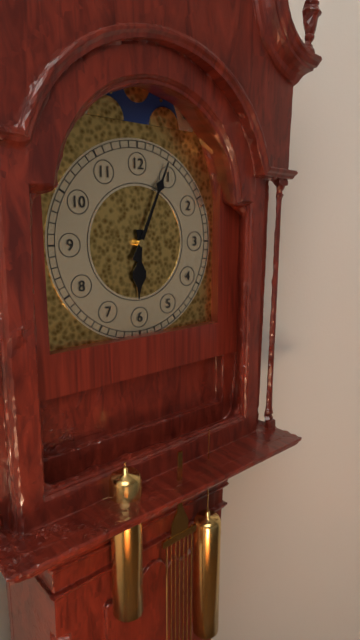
6h04
